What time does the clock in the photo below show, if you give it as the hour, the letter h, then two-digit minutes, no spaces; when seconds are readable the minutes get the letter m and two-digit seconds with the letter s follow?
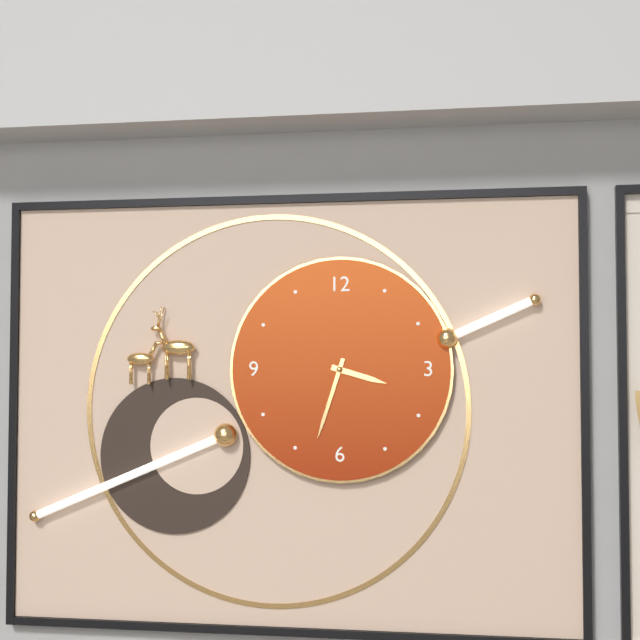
3h33
